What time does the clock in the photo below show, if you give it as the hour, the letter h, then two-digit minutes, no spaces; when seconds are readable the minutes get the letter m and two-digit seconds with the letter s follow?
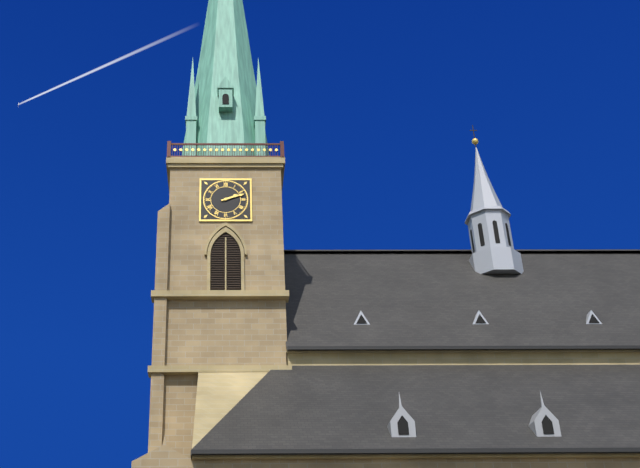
2h12
